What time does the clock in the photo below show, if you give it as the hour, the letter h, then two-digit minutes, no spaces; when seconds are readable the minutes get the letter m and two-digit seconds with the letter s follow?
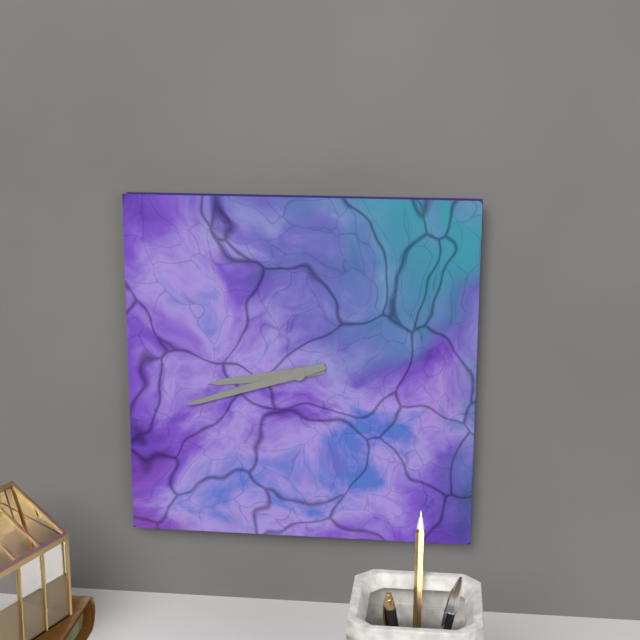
8h42
